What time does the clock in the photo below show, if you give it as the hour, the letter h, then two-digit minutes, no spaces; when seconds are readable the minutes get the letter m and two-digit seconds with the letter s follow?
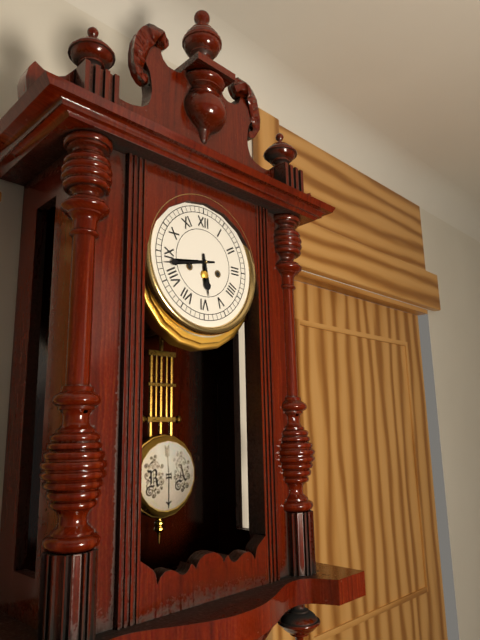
5h43
